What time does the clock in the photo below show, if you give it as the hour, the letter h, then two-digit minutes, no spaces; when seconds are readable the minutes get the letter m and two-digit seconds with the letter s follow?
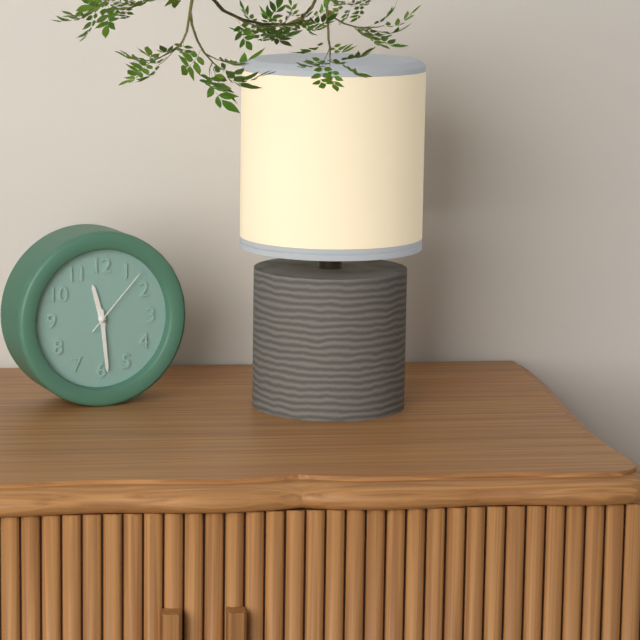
11h29m07s
